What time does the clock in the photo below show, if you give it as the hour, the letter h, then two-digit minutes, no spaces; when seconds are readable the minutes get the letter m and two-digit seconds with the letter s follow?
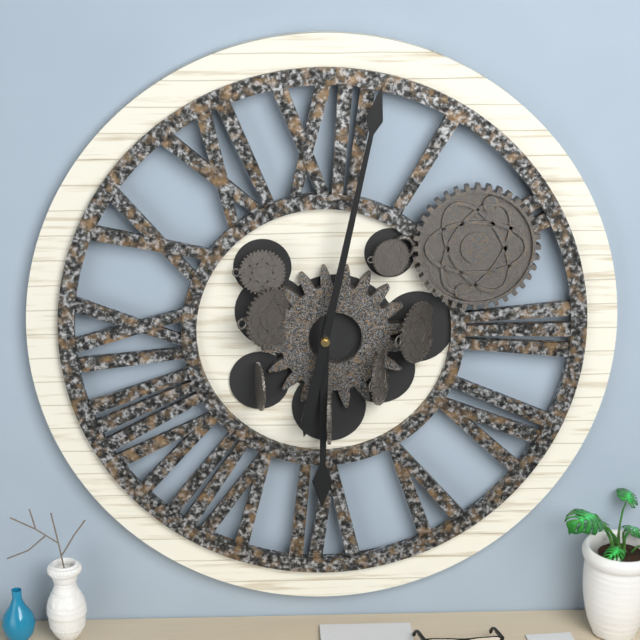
6h02
